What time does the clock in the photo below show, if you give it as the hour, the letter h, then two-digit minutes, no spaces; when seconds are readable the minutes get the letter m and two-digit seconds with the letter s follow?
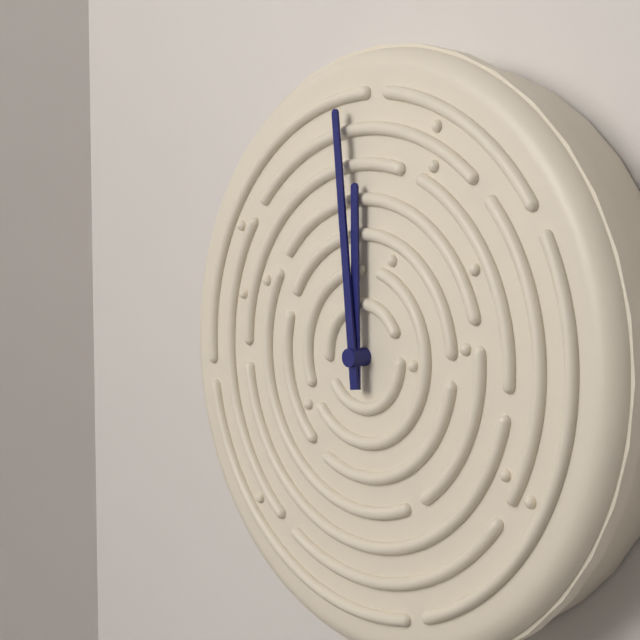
11h59
